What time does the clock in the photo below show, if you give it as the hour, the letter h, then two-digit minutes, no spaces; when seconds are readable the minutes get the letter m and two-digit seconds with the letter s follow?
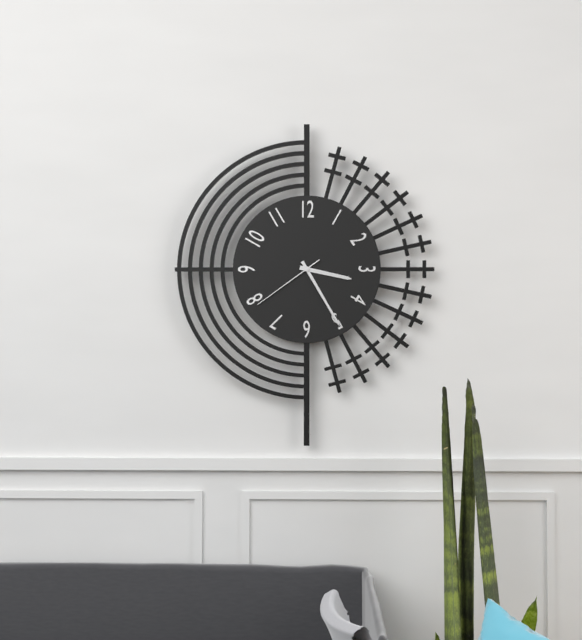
3h25m39s
